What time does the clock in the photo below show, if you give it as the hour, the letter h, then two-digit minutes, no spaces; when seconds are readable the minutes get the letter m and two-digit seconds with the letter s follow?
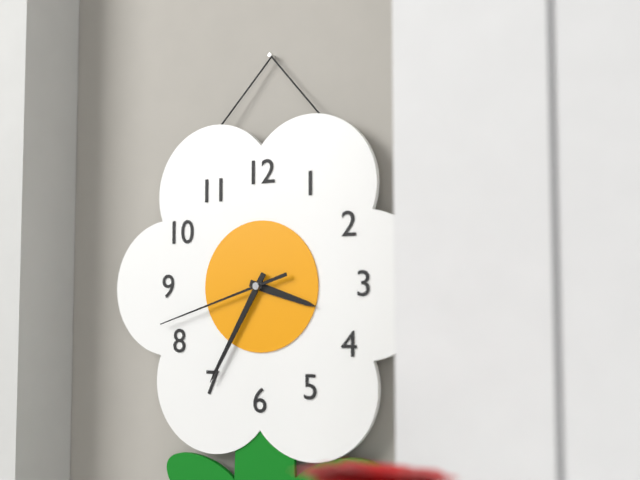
3h35m42s
